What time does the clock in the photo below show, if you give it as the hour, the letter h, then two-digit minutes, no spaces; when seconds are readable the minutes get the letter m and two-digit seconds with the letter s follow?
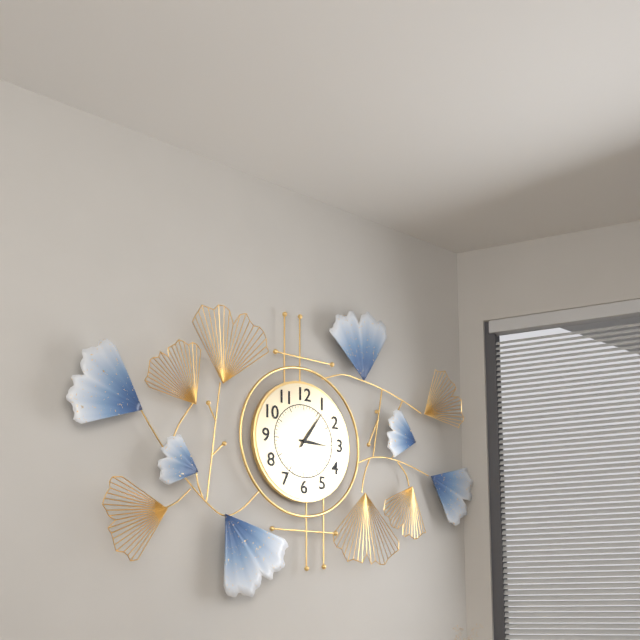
3h06
